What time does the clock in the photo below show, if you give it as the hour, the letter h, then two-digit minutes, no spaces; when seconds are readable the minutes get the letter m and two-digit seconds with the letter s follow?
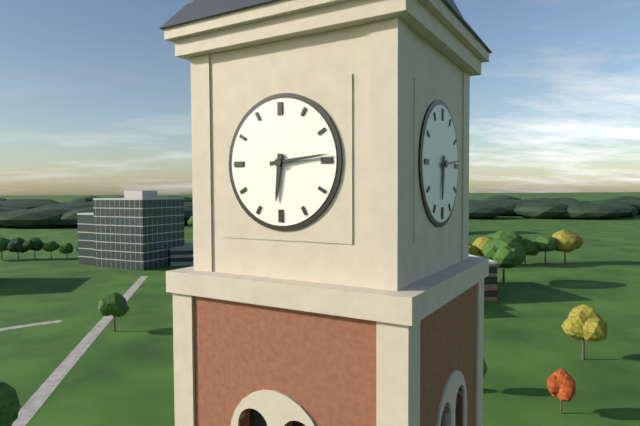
6h14
